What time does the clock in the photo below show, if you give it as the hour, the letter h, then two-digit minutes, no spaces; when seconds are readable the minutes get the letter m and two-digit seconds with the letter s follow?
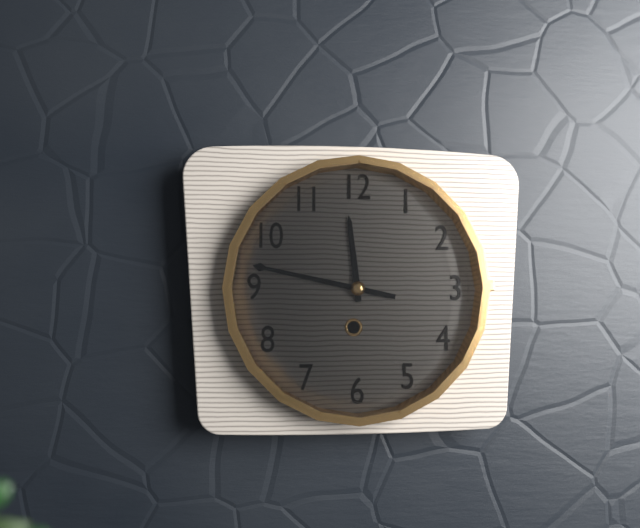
11h47
